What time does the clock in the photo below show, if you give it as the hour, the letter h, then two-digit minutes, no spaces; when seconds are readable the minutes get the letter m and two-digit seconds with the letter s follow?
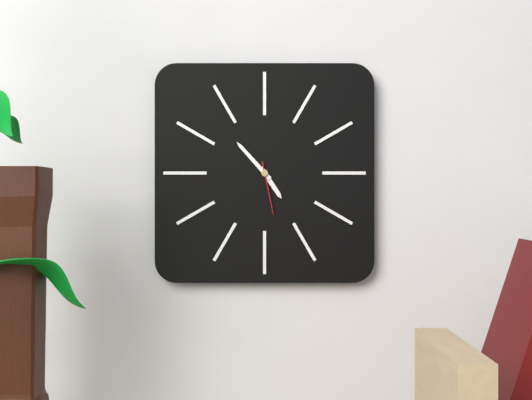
4h53m28s
